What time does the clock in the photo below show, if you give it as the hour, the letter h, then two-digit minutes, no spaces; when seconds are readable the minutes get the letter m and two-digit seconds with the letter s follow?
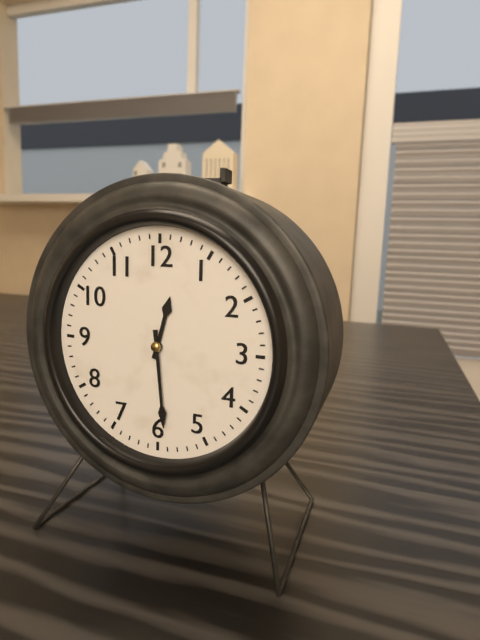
12h29
